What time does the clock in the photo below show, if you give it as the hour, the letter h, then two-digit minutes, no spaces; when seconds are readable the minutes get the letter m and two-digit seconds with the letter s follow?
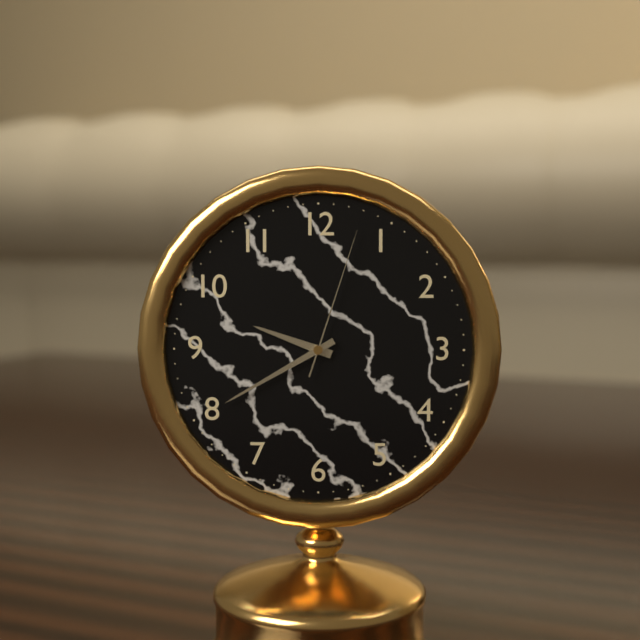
9h40m03s
